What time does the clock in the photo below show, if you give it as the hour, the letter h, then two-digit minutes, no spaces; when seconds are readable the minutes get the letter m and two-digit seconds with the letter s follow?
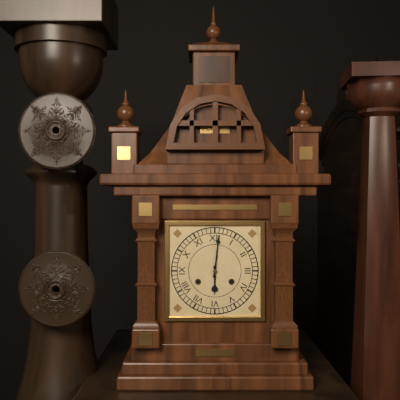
6h01
